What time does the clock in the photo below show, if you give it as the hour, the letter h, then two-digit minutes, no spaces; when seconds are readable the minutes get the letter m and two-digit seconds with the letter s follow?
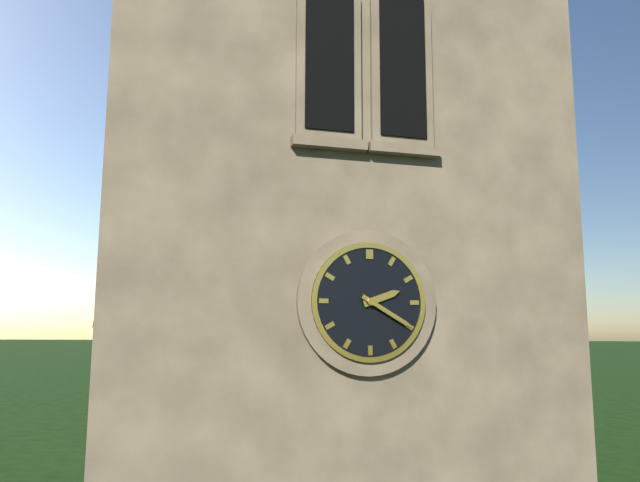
2h20
